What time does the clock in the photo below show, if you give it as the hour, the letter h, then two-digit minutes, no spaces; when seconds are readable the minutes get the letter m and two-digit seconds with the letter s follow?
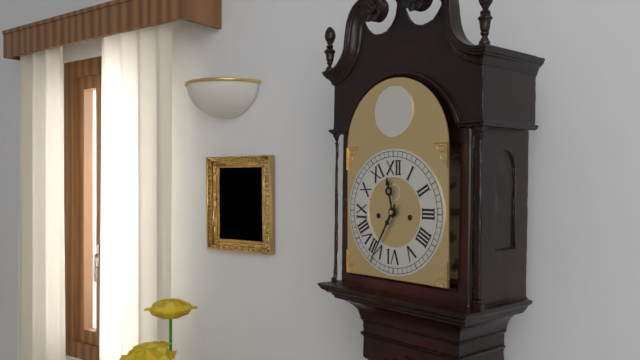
11h35
